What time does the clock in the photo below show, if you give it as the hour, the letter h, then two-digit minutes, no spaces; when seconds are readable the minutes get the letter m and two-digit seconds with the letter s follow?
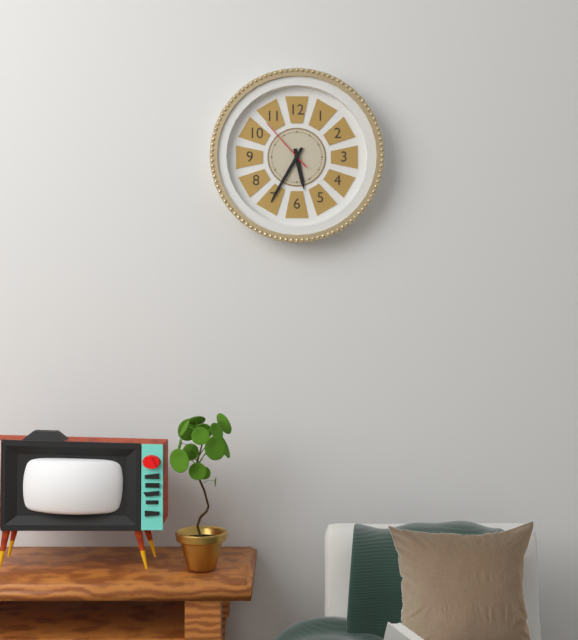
5h35m53s
